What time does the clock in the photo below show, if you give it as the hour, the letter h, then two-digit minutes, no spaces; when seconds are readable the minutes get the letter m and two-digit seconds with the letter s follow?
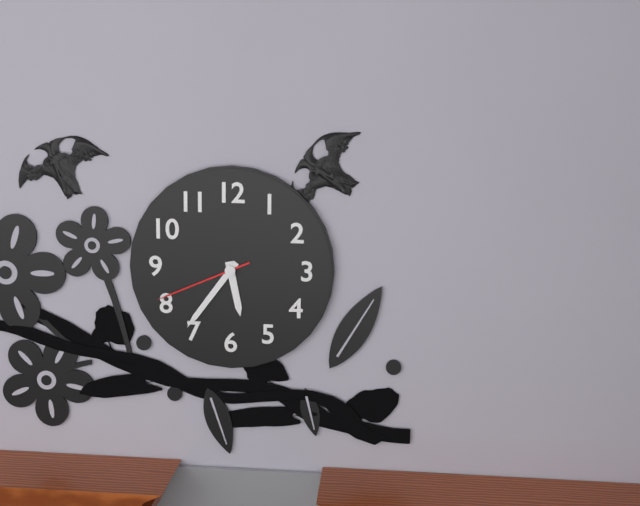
5h36m41s
